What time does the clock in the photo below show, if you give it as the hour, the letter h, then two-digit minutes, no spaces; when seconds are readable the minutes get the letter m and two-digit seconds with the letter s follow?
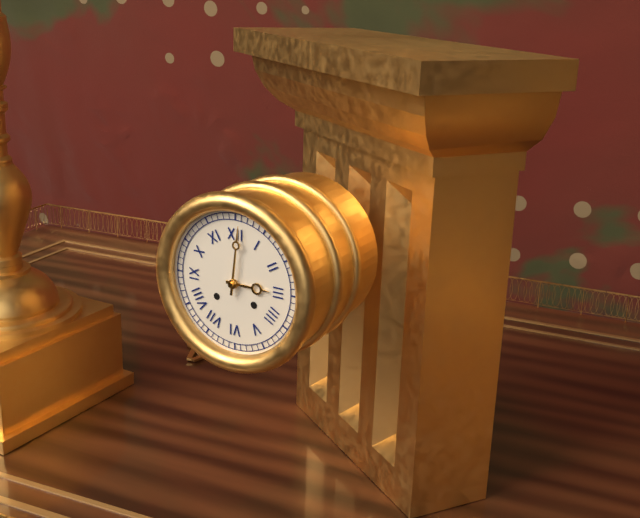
3h01
